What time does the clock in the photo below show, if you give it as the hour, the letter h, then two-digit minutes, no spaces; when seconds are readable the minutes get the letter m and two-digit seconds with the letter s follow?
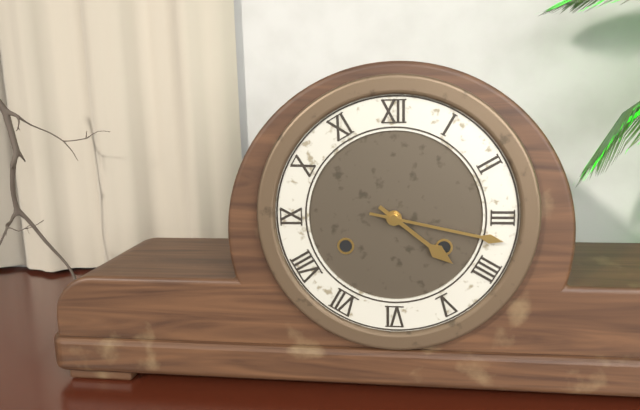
4h17
